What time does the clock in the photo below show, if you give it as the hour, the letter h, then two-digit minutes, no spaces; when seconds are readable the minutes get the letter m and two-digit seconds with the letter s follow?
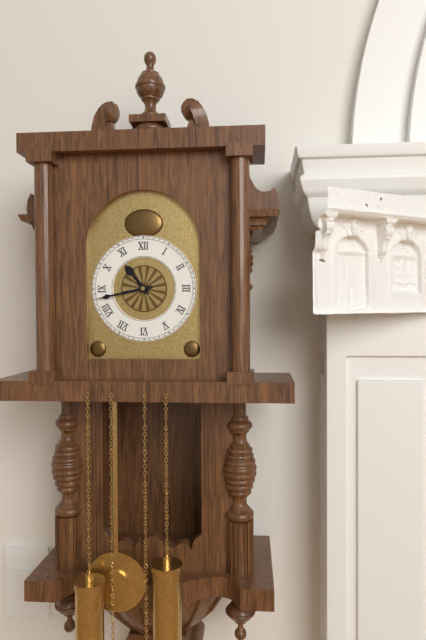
10h43
